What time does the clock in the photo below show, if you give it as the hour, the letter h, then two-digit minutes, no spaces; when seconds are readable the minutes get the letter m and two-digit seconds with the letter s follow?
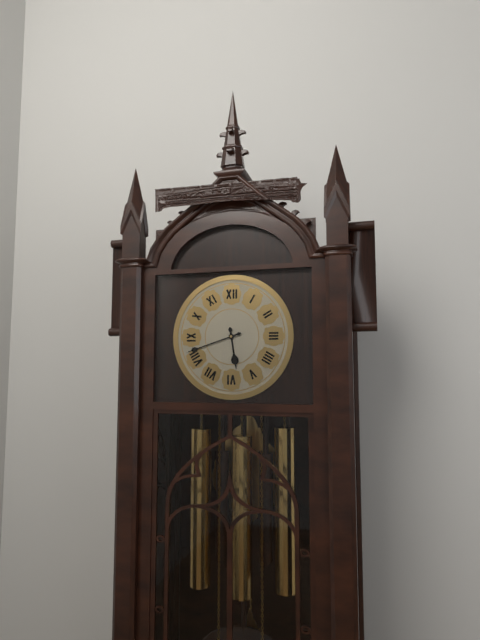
5h42
